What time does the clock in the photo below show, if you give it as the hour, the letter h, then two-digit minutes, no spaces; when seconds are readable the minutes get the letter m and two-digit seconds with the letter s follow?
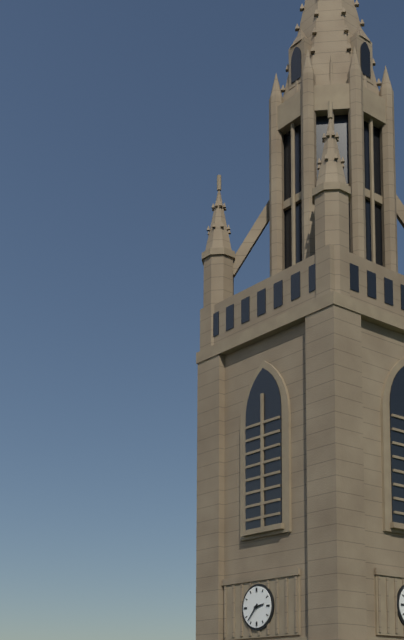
2h37
